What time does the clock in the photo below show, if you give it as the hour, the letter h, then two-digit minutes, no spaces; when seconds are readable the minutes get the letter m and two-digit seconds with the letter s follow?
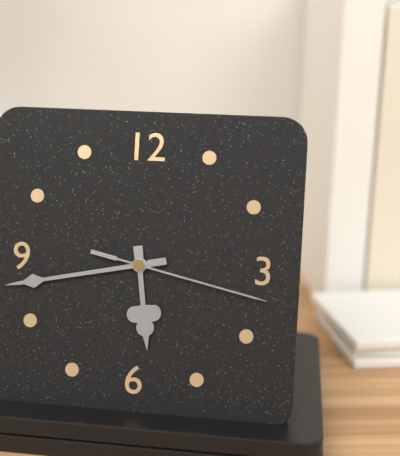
5h43m17s
